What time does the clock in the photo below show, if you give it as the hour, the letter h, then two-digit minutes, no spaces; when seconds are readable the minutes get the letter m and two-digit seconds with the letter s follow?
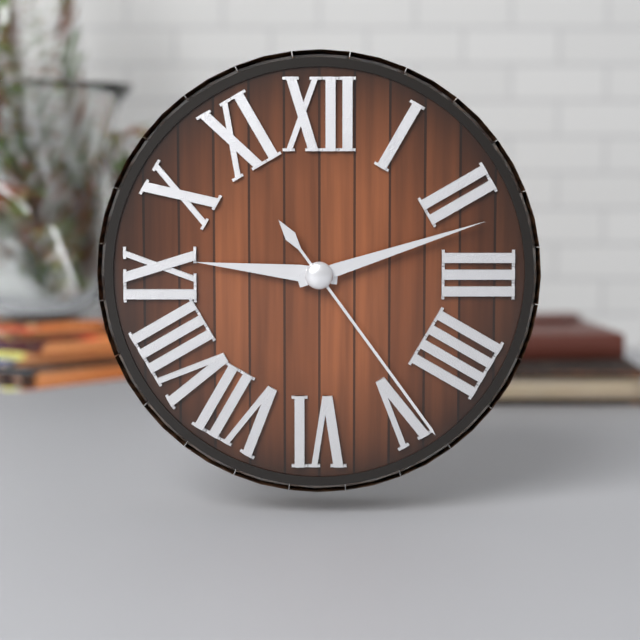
9h12m24s
